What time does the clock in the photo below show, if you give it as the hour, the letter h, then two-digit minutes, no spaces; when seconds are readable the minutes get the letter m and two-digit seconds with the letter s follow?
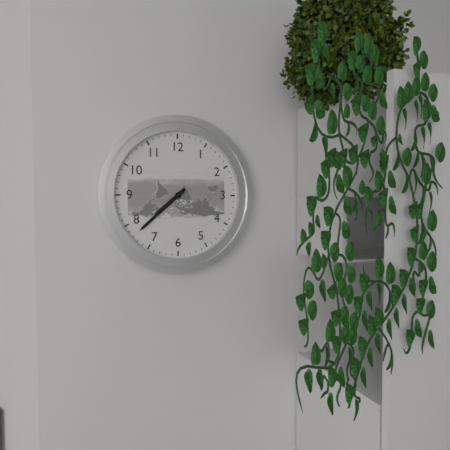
7h38
